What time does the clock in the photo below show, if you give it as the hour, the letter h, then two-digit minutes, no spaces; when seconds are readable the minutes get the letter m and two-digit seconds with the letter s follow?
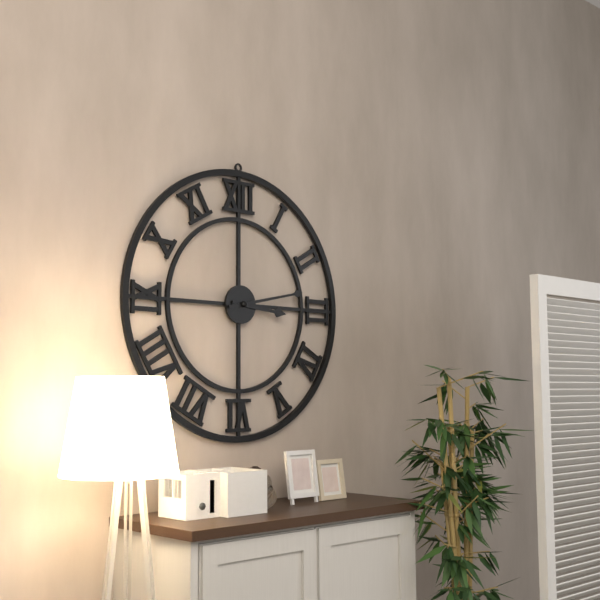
3h13
